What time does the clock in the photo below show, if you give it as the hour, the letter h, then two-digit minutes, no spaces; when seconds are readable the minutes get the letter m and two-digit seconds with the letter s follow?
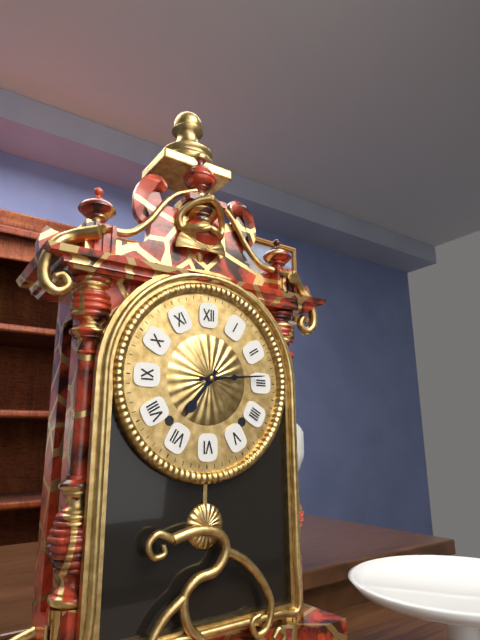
7h14
